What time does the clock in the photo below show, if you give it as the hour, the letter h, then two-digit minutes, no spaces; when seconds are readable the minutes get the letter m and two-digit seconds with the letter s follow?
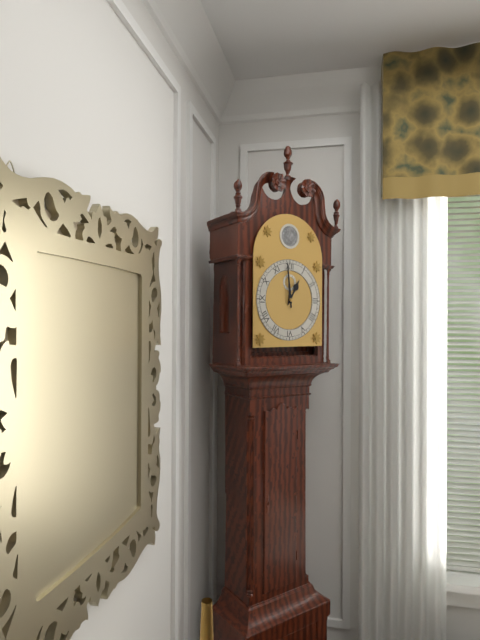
12h59
